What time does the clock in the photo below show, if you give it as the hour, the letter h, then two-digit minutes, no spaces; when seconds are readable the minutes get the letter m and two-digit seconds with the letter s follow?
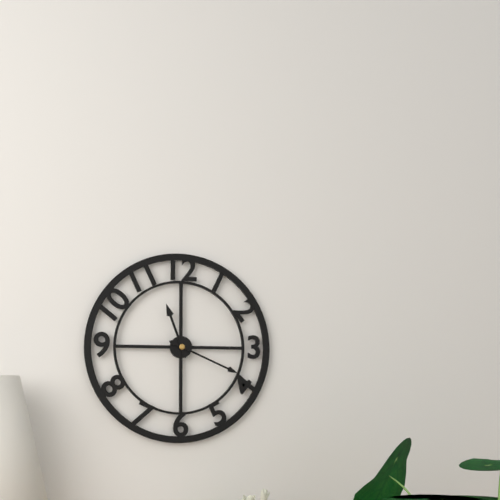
11h19
